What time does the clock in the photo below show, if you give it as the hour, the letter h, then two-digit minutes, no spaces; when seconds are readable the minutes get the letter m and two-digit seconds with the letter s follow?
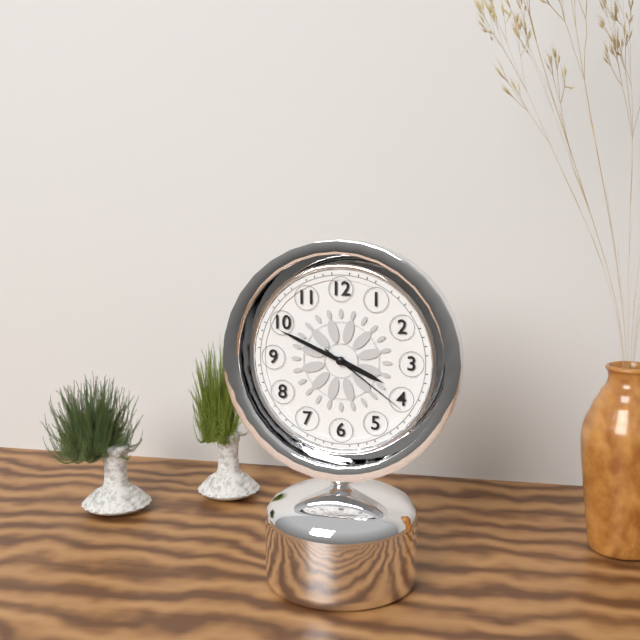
3h49m21s
